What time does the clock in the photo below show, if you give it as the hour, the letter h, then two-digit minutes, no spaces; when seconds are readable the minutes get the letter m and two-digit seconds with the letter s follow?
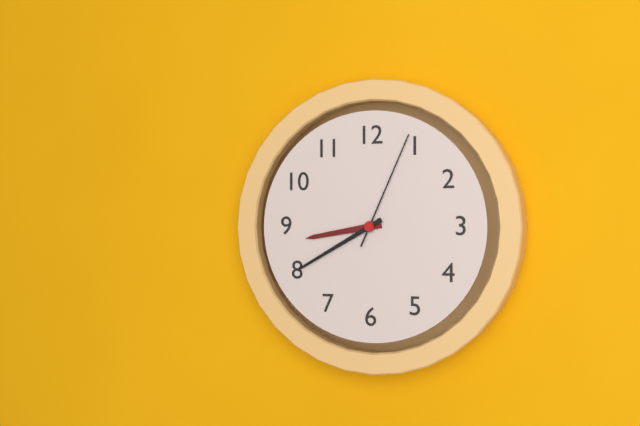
8h40m04s
